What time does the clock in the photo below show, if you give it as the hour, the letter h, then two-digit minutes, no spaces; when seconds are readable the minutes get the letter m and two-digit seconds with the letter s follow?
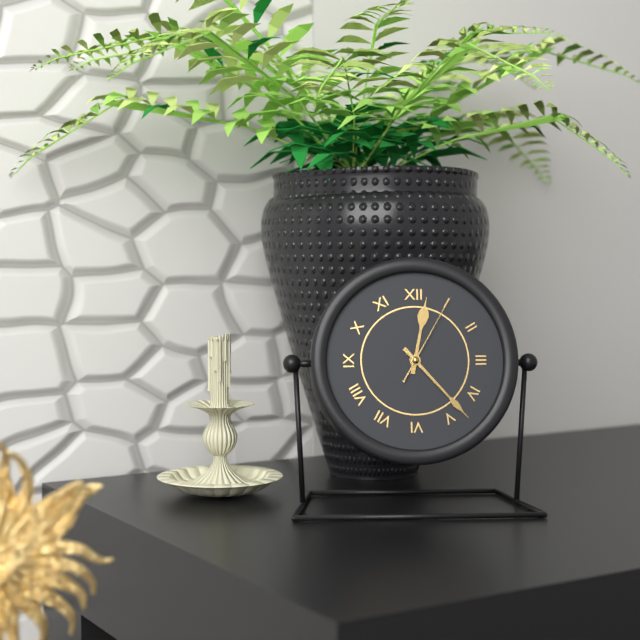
12h23m05s
